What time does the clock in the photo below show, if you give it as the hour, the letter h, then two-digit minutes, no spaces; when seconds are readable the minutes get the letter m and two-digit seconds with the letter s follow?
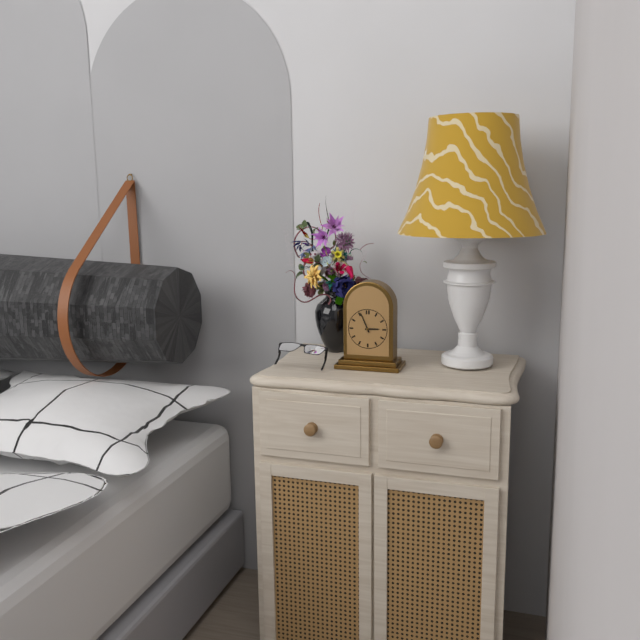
2h56
